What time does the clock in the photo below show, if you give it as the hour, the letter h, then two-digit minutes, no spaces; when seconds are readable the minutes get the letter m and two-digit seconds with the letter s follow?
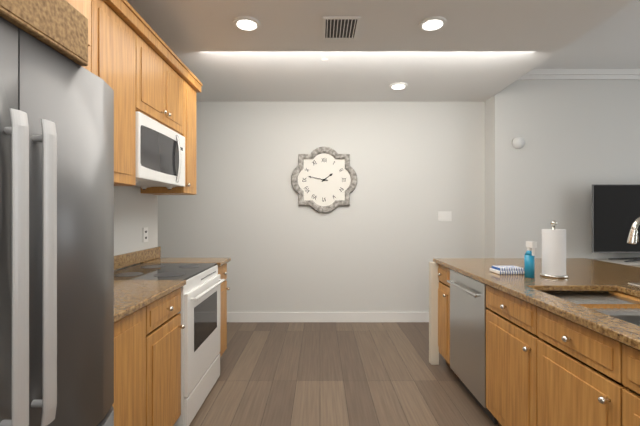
1h47
